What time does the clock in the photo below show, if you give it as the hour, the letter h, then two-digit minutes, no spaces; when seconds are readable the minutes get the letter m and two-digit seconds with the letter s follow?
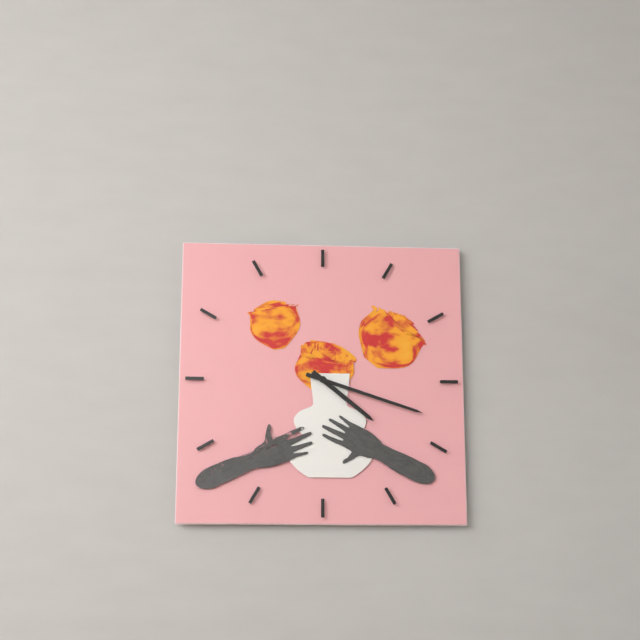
4h18
